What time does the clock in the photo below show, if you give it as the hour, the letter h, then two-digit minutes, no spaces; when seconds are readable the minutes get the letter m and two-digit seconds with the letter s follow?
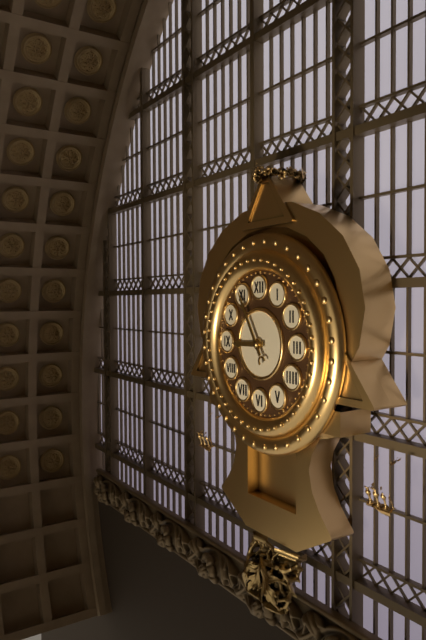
8h55
